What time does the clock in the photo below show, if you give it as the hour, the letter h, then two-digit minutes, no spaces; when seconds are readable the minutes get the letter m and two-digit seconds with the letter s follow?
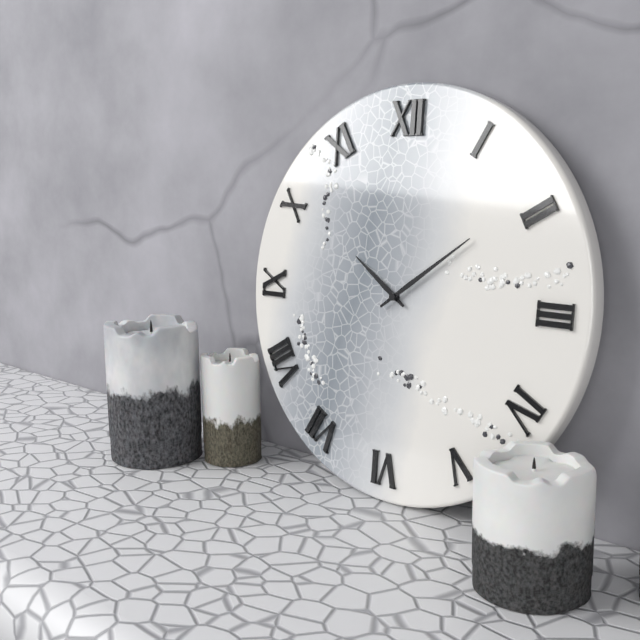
10h09
